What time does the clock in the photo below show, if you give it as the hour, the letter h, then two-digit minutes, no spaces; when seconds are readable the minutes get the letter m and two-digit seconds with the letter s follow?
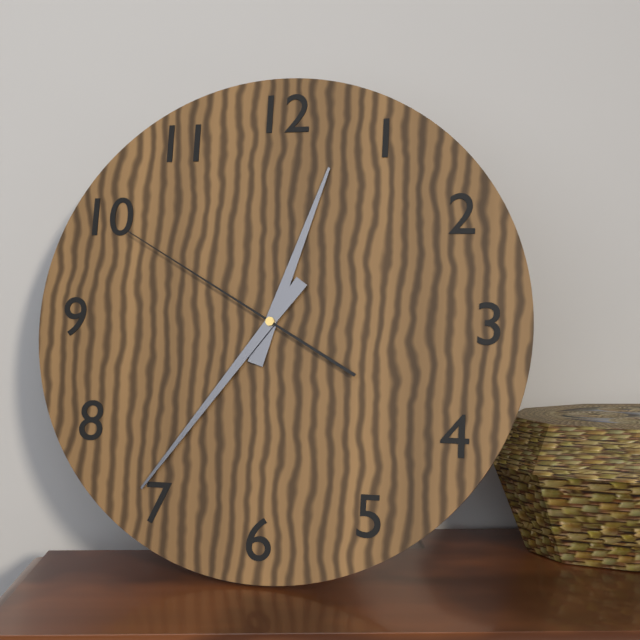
12h36m50s
